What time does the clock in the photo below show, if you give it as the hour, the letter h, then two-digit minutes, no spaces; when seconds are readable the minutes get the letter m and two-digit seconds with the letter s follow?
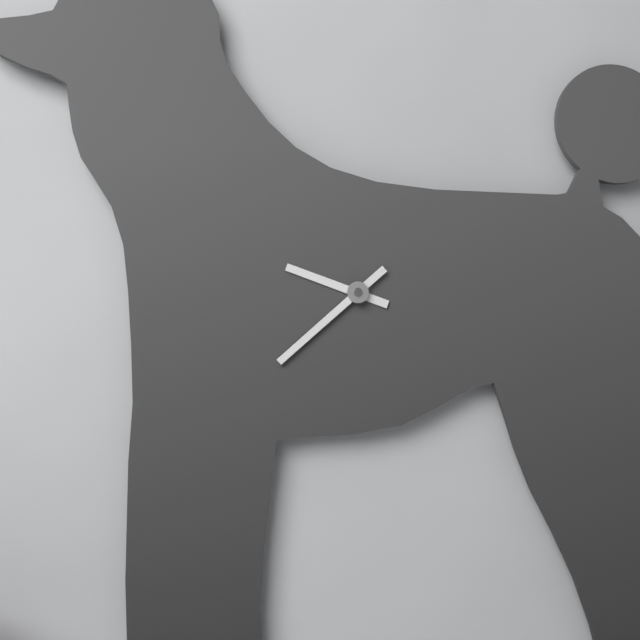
9h38
